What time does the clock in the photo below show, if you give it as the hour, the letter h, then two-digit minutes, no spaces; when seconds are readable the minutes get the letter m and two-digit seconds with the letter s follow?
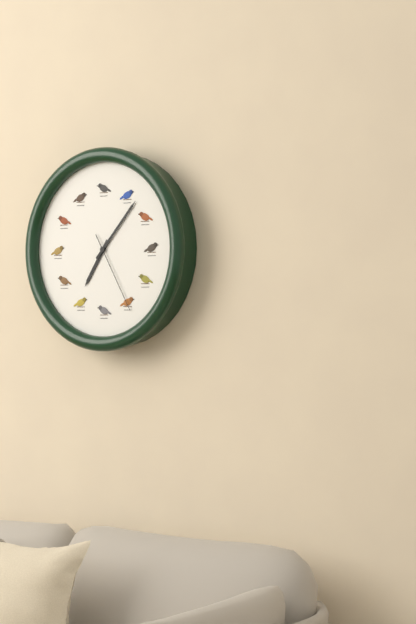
7h07m25s
